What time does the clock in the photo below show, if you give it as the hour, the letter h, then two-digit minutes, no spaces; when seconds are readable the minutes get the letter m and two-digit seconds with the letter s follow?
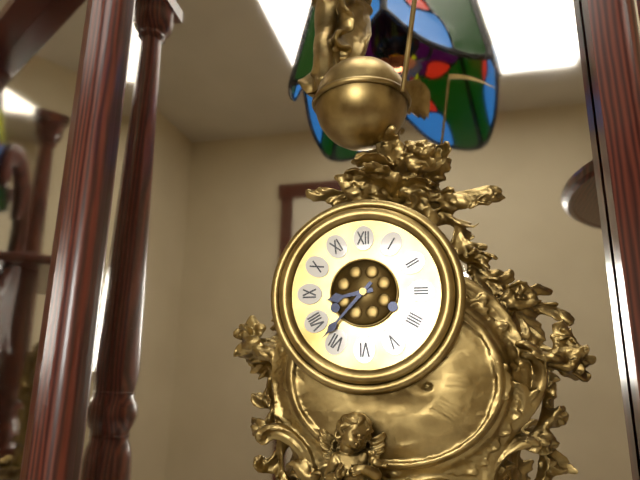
8h37
